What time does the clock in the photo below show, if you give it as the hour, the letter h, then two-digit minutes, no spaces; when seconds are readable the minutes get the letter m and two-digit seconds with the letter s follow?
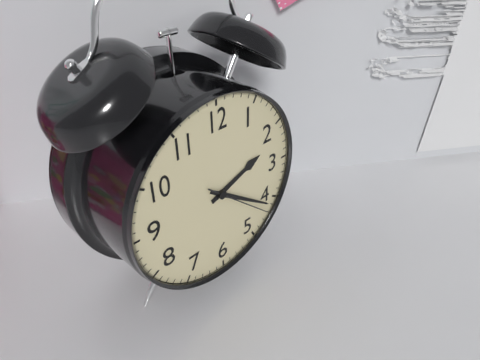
2h21m22s
